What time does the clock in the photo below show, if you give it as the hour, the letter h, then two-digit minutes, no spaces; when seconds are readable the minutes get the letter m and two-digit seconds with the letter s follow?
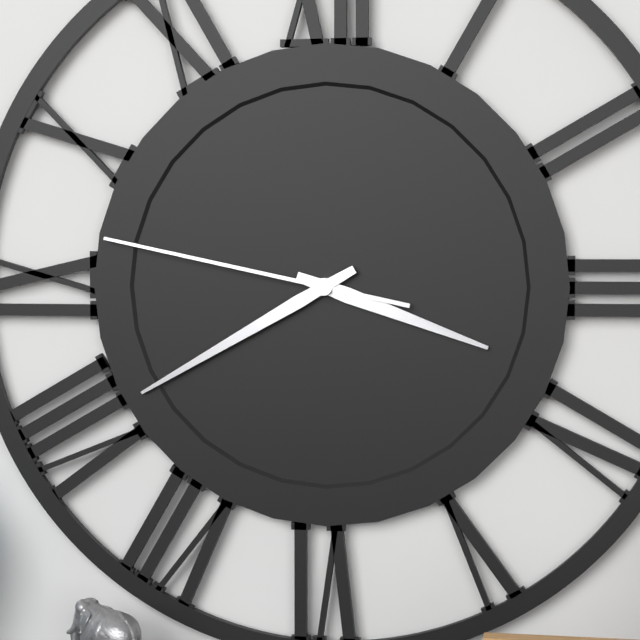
3h40m47s
